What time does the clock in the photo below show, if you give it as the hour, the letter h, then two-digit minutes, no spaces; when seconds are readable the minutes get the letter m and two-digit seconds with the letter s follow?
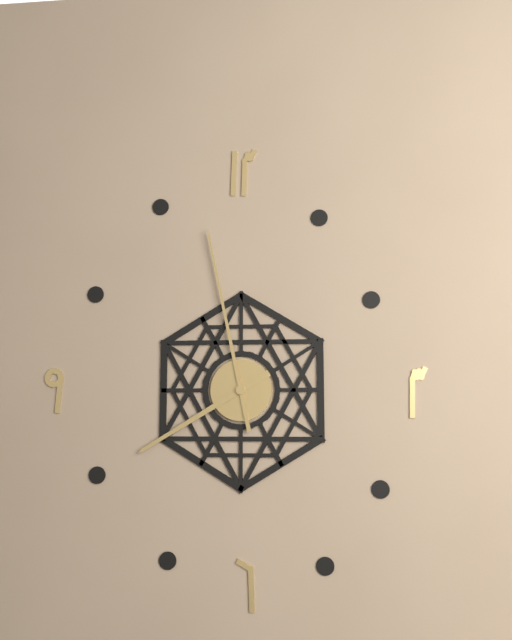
7h58
